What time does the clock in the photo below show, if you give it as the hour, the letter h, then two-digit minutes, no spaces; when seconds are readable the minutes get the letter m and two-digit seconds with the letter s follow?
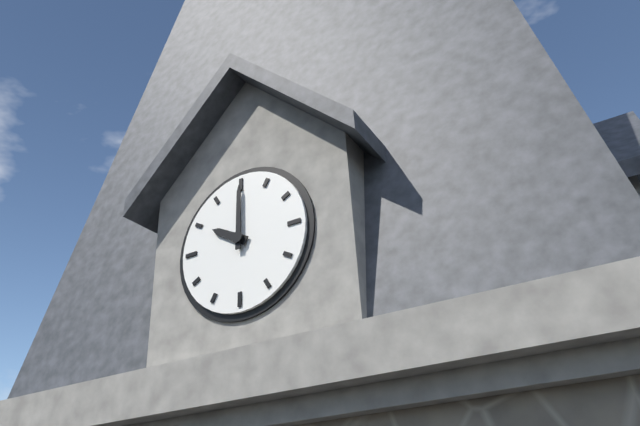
10h00
